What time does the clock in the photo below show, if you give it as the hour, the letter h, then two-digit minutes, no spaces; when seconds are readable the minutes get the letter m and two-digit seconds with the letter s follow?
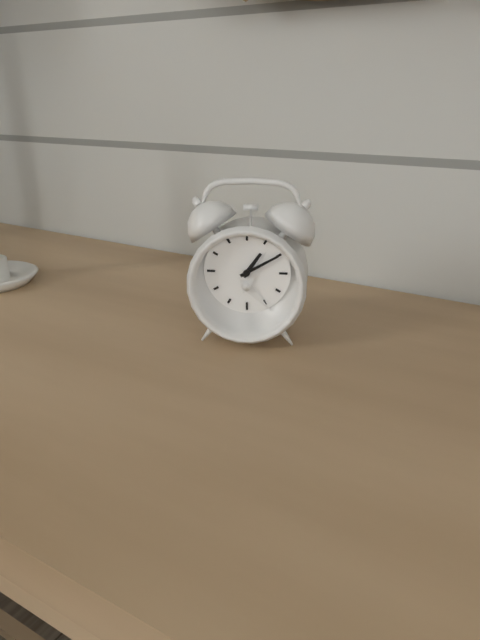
1h10
